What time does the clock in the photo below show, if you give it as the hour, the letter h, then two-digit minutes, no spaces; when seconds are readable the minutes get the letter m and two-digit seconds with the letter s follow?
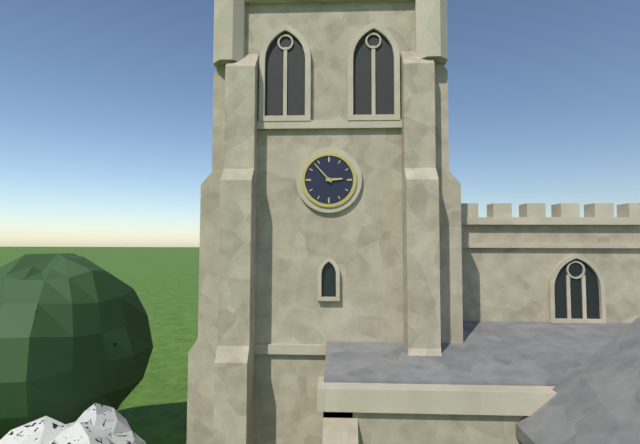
2h53
